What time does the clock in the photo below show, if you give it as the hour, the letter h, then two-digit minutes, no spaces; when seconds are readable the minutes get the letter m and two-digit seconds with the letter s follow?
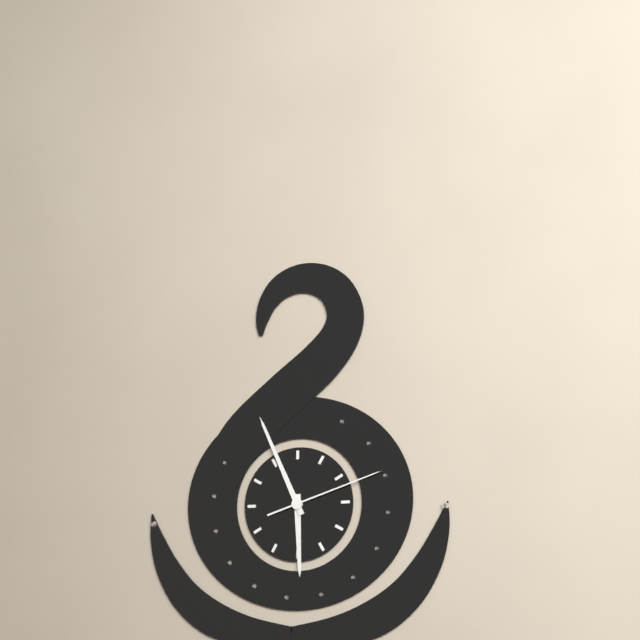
5h56m12s
